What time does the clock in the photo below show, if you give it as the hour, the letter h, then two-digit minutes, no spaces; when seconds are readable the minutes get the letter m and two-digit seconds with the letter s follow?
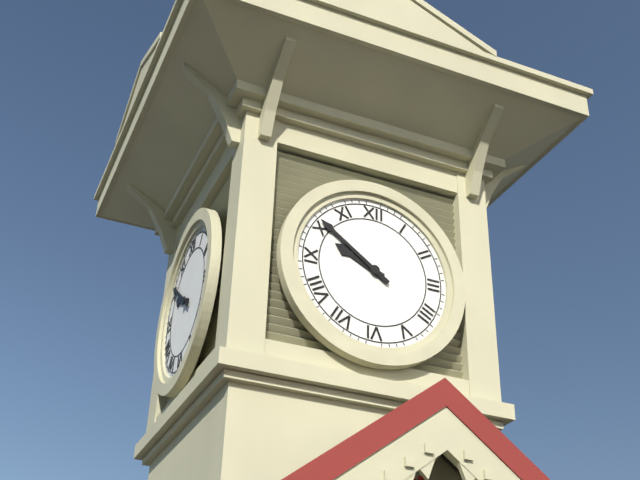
9h51
